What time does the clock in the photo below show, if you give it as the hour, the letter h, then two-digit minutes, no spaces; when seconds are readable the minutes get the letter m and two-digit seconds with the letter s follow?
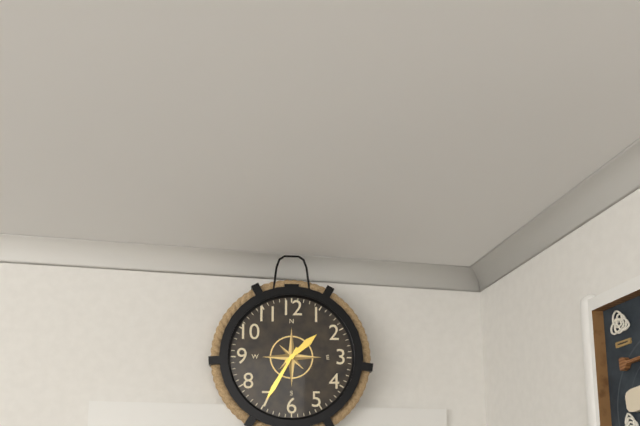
1h35
